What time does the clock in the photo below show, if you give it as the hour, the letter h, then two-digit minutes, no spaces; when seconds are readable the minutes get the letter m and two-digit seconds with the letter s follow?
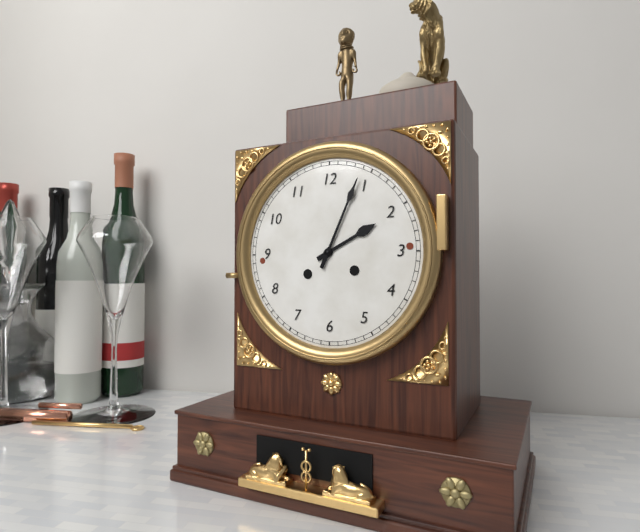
2h04
